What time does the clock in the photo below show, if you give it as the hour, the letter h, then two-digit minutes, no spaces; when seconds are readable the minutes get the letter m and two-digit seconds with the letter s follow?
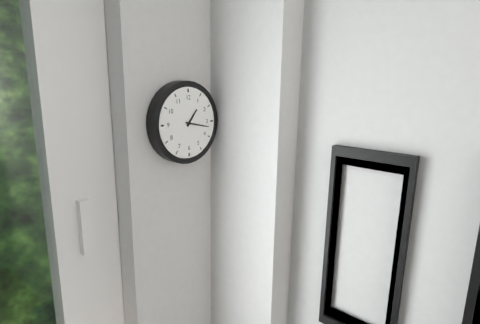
1h17
